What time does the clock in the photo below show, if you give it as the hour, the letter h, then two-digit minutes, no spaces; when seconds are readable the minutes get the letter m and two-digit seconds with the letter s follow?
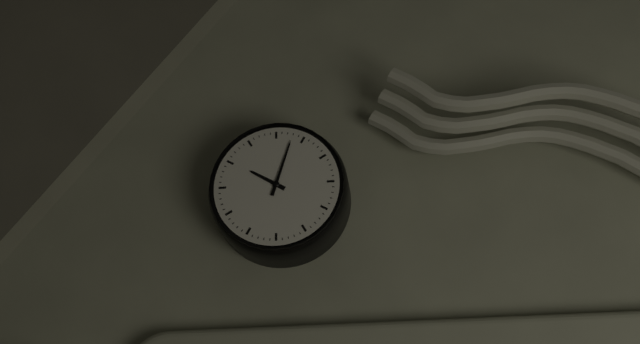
10h03
